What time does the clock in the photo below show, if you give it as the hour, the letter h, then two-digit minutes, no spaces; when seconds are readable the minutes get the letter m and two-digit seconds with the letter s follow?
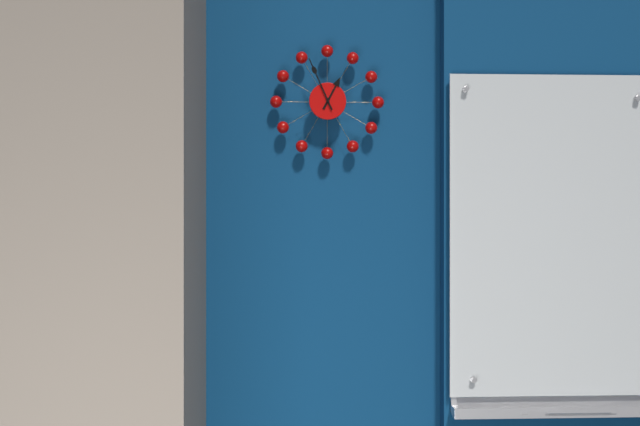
12h56
